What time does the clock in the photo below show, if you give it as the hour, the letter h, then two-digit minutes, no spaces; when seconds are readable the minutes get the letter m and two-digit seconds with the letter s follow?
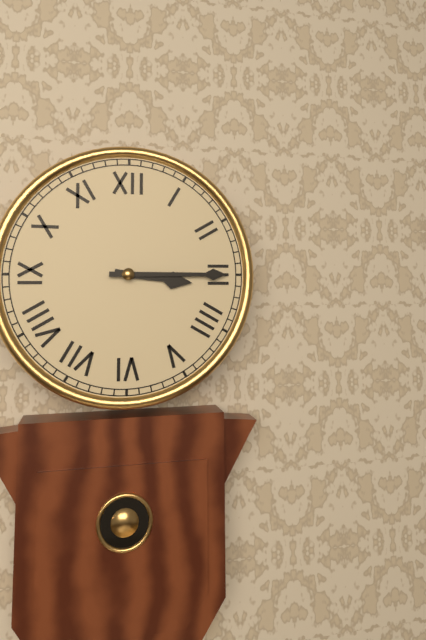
3h15
